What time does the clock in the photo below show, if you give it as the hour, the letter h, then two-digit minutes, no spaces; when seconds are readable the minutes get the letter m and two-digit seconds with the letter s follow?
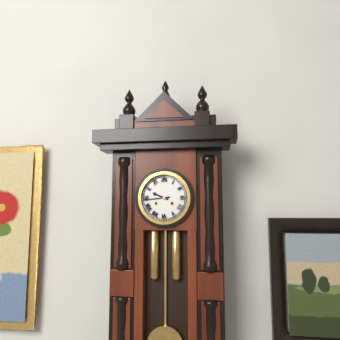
9h44
